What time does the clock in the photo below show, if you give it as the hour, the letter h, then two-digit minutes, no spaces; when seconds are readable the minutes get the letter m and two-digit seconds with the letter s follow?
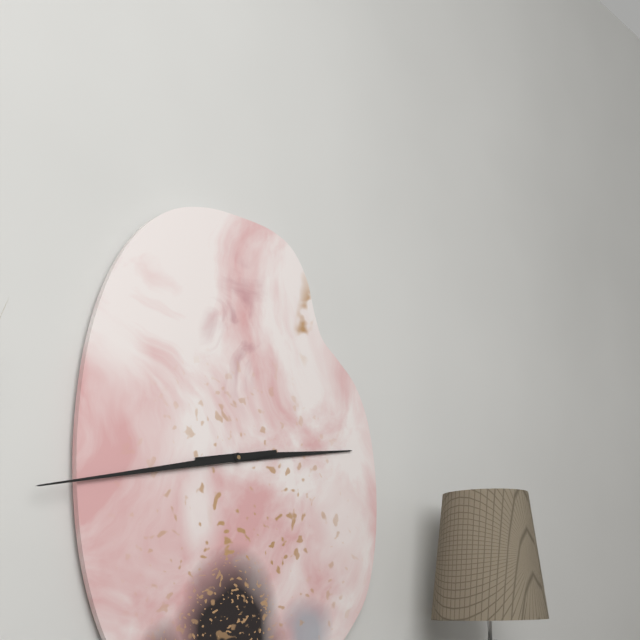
2h43
